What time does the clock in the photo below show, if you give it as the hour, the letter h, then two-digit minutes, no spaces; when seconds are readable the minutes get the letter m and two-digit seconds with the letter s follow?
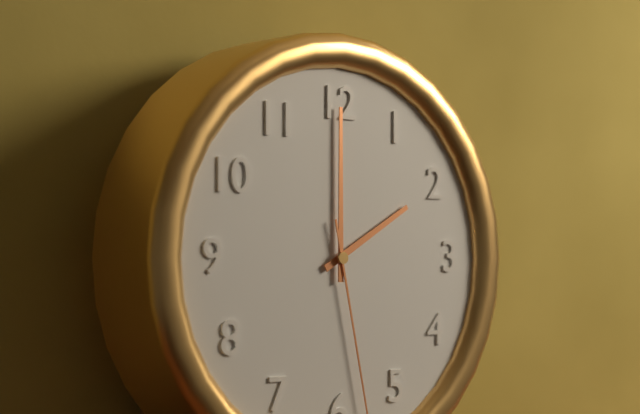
2h00
